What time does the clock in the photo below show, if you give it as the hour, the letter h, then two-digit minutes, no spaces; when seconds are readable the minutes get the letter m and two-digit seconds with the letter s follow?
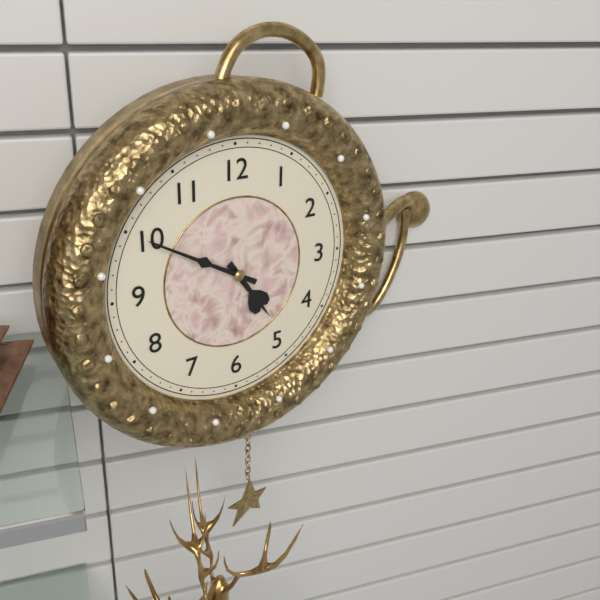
4h50
